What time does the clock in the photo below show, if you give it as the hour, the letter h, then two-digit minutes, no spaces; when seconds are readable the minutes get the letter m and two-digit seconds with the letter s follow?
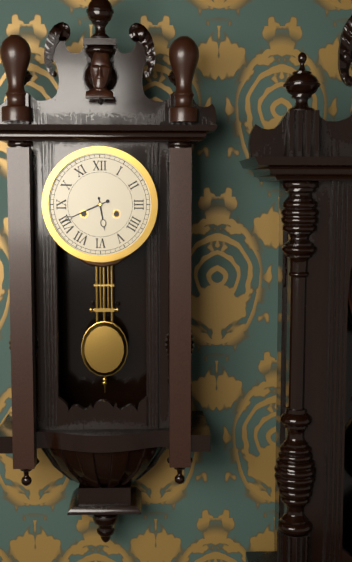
5h41
